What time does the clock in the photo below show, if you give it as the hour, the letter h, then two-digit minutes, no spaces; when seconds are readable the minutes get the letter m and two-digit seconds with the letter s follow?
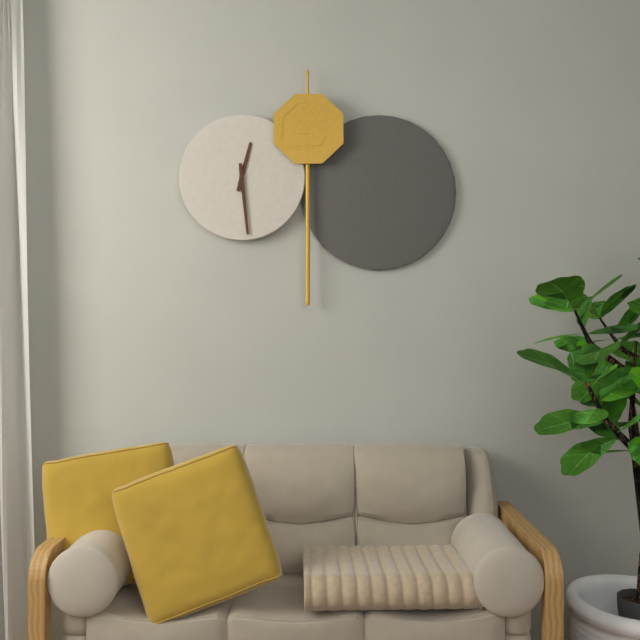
12h29
